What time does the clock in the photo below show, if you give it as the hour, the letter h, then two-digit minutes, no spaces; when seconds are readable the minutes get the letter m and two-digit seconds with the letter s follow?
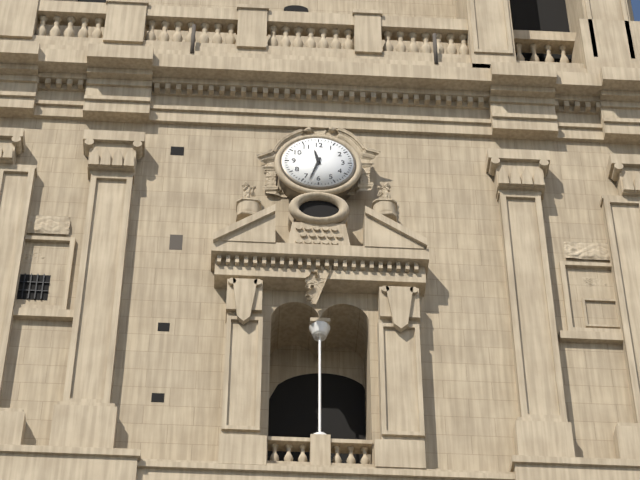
11h33
